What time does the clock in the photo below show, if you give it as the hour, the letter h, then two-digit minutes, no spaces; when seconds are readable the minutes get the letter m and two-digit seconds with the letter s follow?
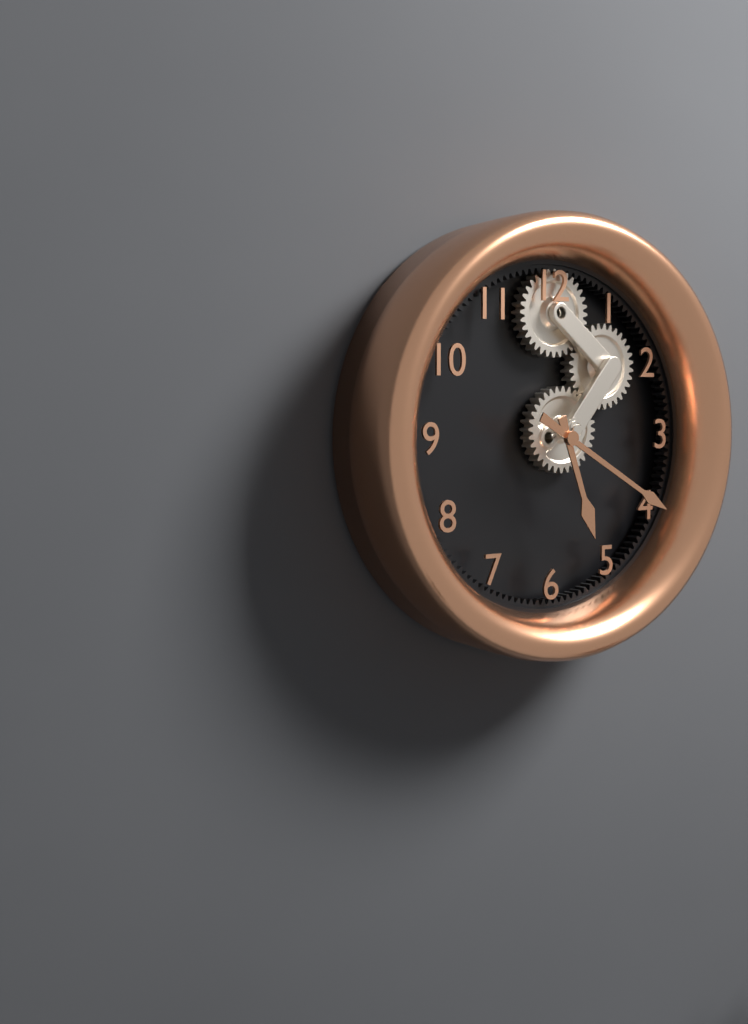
5h20
